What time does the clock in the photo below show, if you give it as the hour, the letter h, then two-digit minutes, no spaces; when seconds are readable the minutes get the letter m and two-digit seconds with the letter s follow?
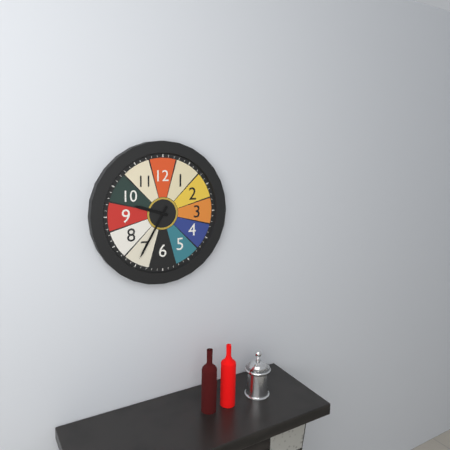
9h35
